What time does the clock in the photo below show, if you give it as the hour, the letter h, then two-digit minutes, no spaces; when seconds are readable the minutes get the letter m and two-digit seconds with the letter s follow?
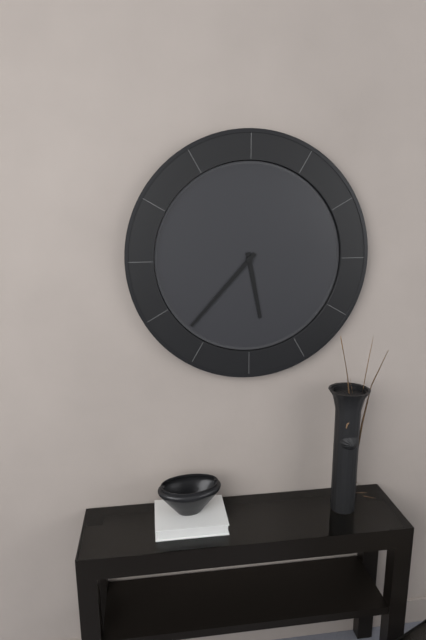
5h37
